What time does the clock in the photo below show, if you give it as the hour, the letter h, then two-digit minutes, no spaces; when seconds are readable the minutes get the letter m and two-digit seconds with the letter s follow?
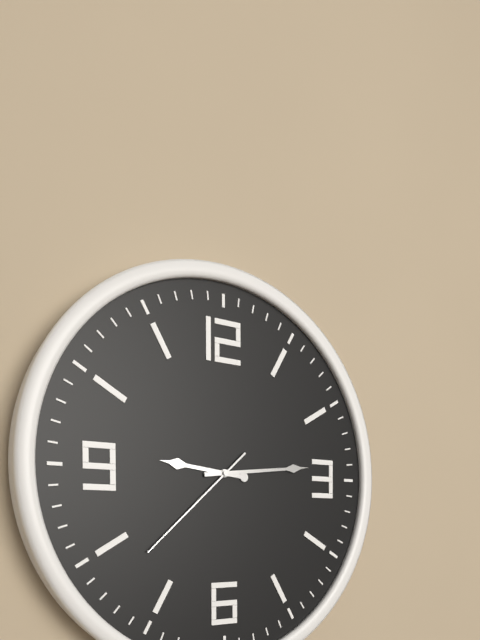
9h14m38s
